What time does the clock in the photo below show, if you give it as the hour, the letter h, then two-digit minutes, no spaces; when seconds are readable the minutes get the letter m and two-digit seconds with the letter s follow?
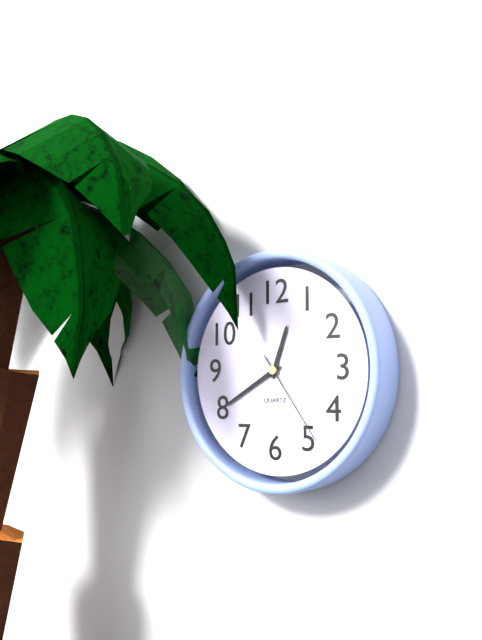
12h40m24s
